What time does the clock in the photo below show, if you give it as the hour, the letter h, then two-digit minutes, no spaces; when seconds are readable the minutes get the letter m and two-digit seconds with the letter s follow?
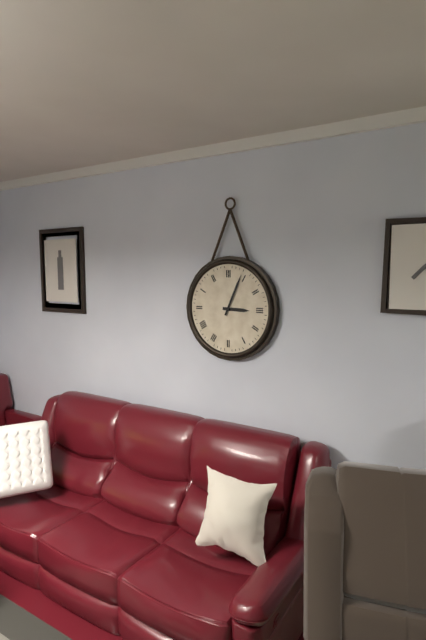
3h04
